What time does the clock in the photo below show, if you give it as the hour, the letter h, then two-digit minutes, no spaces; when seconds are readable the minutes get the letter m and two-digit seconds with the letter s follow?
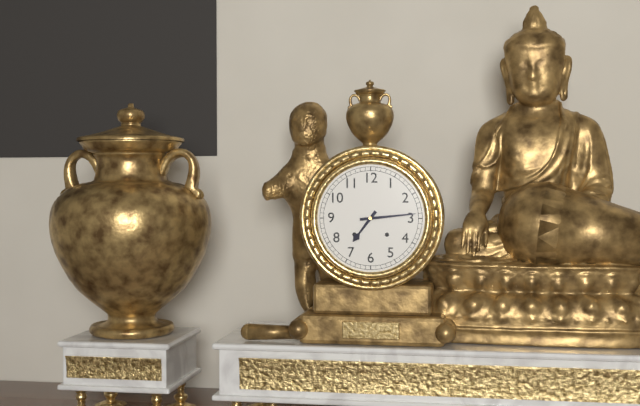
7h14
